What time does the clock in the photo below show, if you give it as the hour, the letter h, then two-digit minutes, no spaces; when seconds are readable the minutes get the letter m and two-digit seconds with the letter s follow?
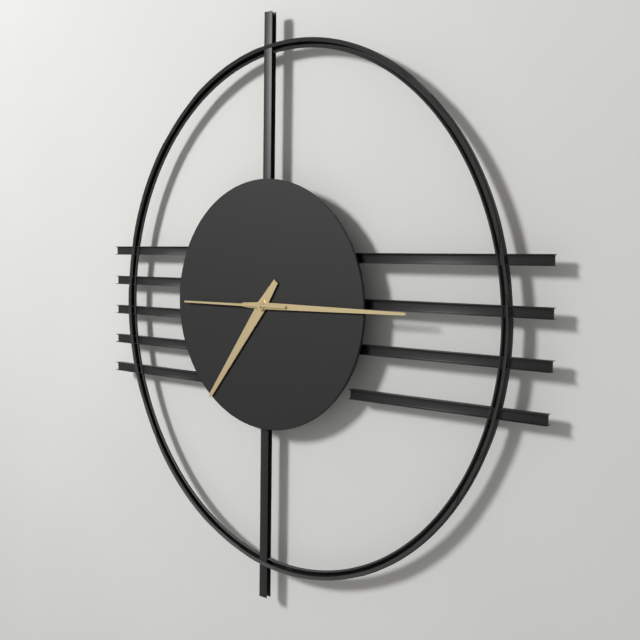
7h15m45s
